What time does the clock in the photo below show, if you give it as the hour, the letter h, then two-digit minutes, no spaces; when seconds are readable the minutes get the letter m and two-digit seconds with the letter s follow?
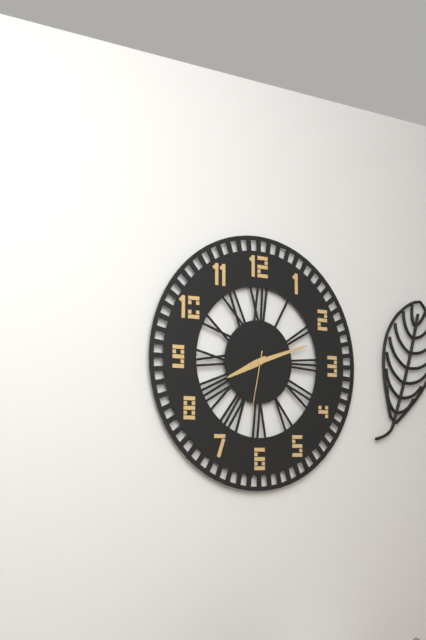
8h12m32s
